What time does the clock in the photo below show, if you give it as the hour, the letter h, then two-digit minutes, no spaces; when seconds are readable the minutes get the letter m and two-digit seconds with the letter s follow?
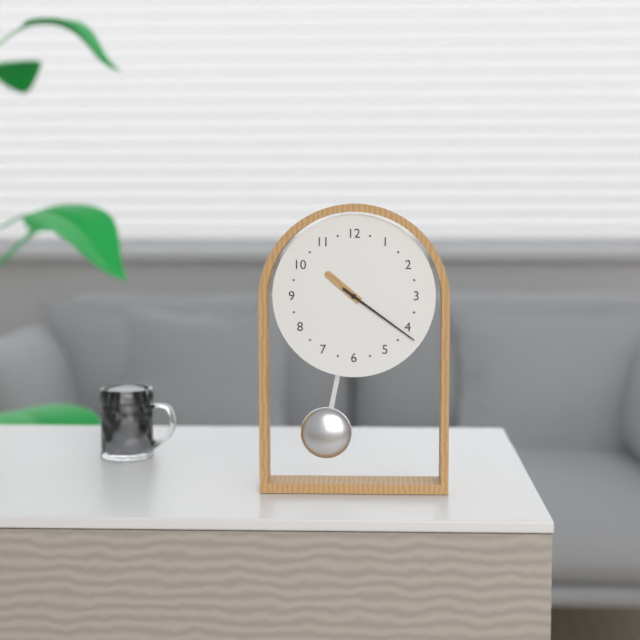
10h21
